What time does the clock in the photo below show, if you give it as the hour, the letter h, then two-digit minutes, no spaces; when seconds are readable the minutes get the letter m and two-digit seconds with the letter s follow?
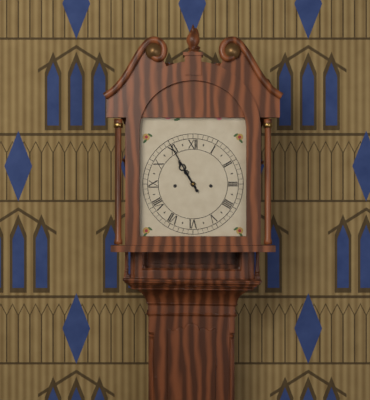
10h55
